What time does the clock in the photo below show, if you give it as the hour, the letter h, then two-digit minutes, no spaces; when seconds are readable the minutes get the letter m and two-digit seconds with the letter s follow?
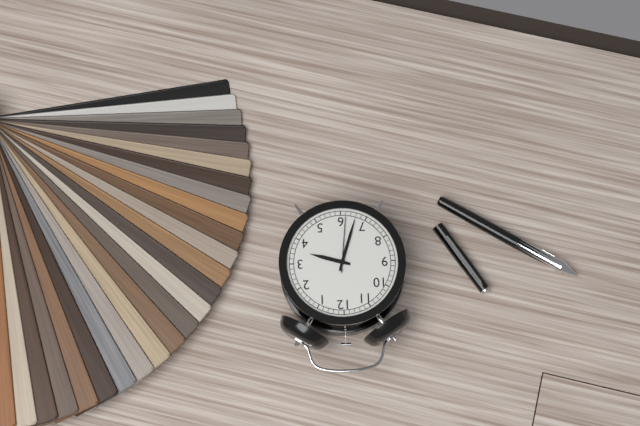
3h33m31s
